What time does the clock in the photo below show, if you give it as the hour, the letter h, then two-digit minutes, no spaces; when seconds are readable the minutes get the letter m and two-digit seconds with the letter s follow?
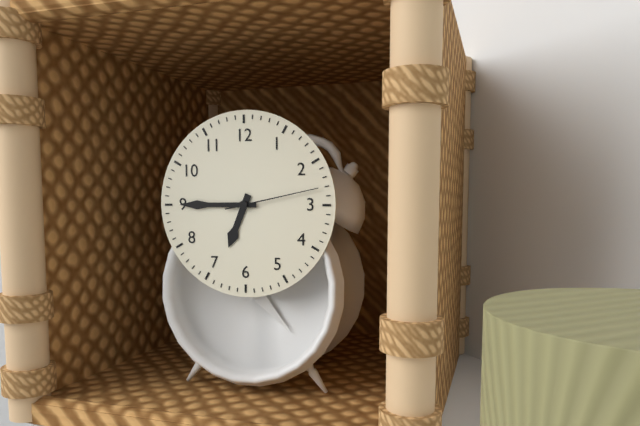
6h45m13s
